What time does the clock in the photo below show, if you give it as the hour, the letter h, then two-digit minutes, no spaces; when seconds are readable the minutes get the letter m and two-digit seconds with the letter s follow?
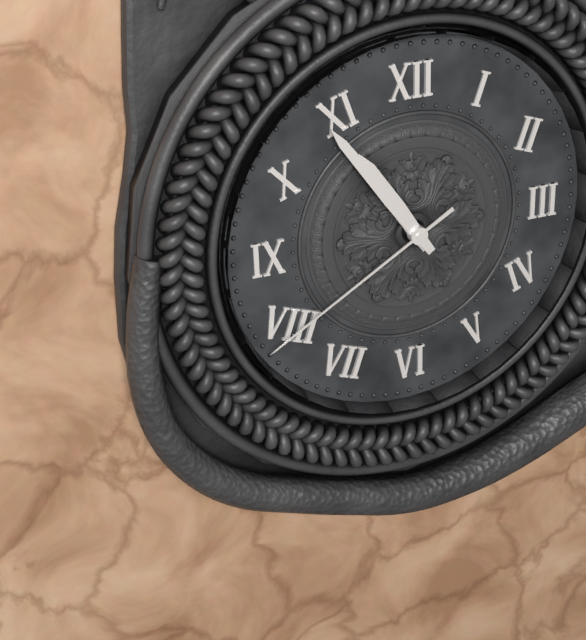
10h54m40s
